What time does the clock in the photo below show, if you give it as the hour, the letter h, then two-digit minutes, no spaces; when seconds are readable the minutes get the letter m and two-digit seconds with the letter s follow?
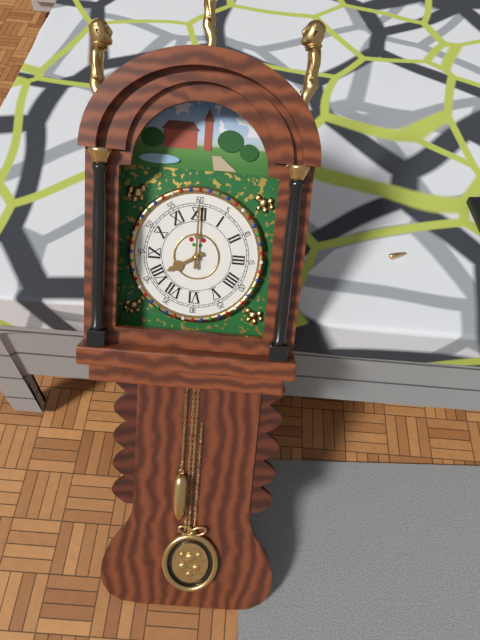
8h00
